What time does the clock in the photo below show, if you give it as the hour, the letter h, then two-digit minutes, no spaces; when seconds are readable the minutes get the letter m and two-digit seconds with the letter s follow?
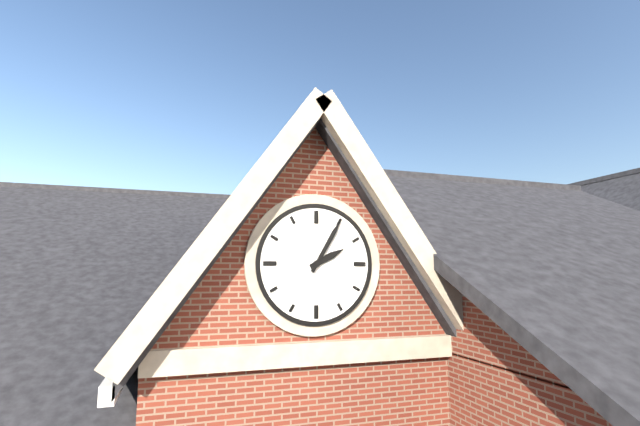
2h05
